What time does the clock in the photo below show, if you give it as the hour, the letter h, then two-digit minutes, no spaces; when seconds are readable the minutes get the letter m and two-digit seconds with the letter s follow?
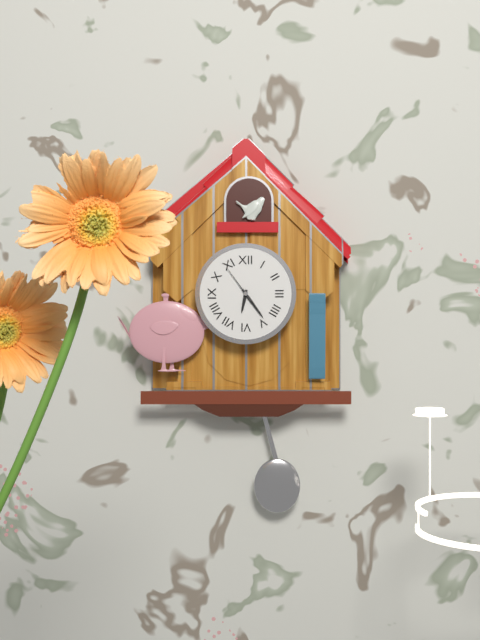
6h24
